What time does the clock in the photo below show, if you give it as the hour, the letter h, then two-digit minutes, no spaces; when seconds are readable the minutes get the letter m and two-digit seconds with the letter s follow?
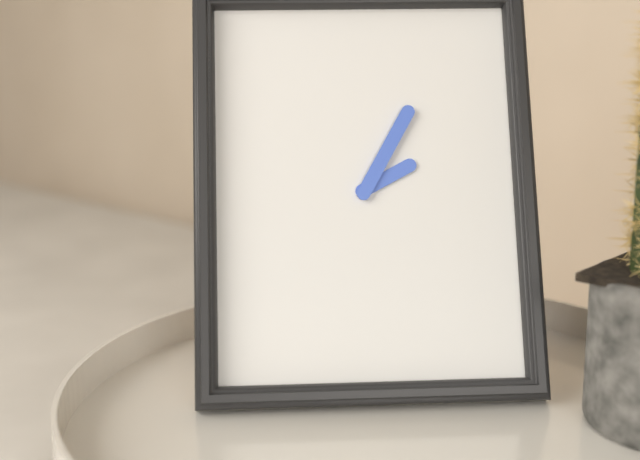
2h05
